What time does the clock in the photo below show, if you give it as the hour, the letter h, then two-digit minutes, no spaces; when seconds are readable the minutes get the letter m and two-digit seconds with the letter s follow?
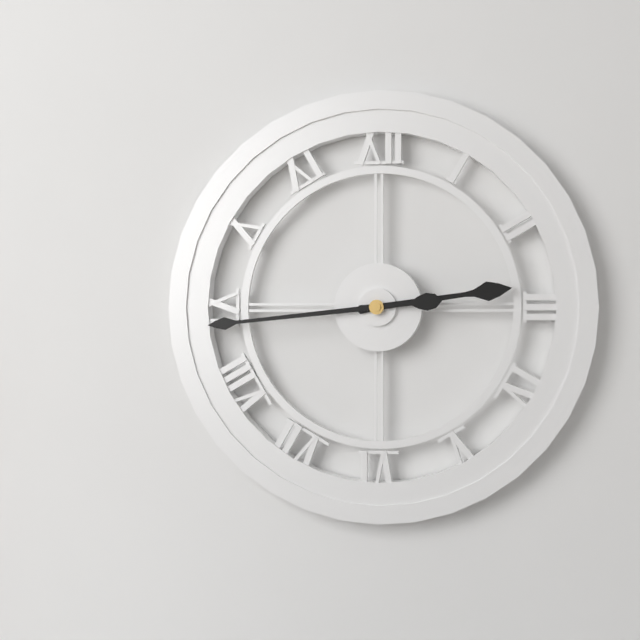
2h44
